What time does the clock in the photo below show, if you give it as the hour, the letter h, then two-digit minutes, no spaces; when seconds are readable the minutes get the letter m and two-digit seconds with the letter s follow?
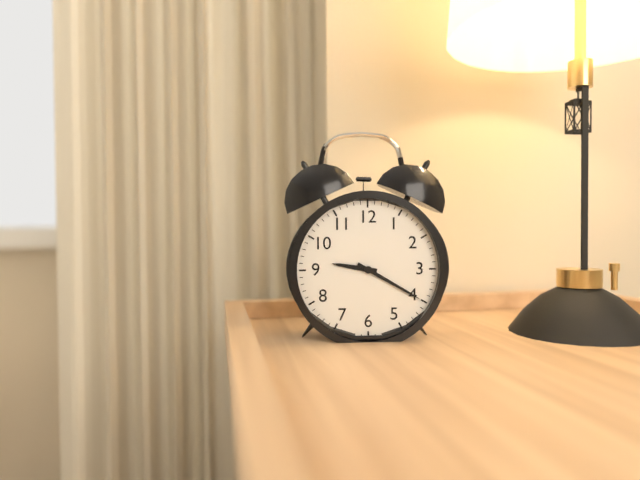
9h20
